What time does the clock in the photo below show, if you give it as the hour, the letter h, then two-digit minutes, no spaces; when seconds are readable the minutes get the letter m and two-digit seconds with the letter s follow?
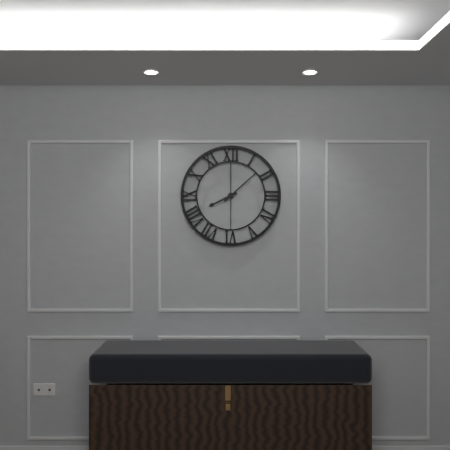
8h08
